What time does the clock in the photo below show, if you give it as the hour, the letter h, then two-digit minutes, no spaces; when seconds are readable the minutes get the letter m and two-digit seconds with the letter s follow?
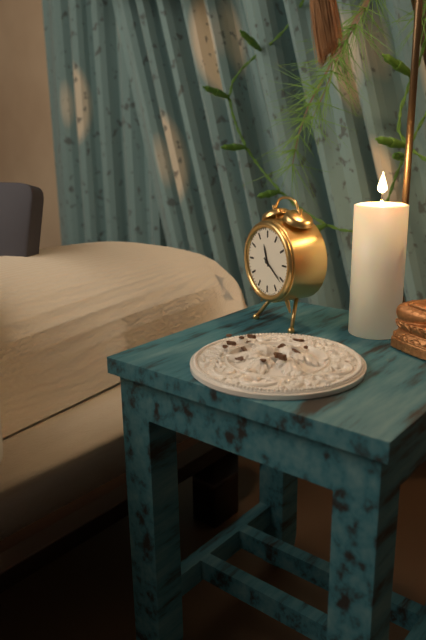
11h21
